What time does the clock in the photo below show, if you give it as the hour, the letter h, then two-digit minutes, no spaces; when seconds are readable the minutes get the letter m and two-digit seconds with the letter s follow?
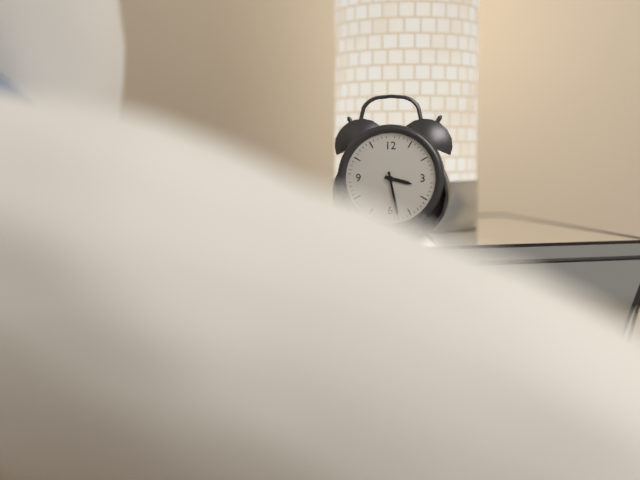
3h28
